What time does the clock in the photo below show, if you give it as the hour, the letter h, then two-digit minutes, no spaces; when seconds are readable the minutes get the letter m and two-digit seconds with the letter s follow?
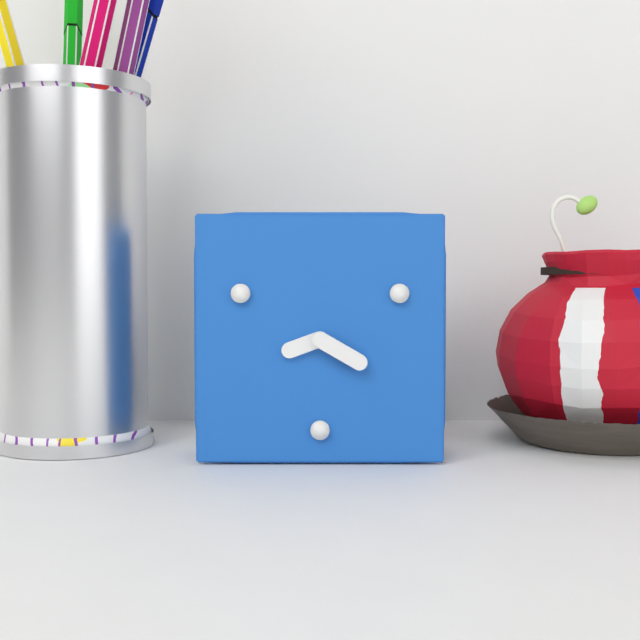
8h20
